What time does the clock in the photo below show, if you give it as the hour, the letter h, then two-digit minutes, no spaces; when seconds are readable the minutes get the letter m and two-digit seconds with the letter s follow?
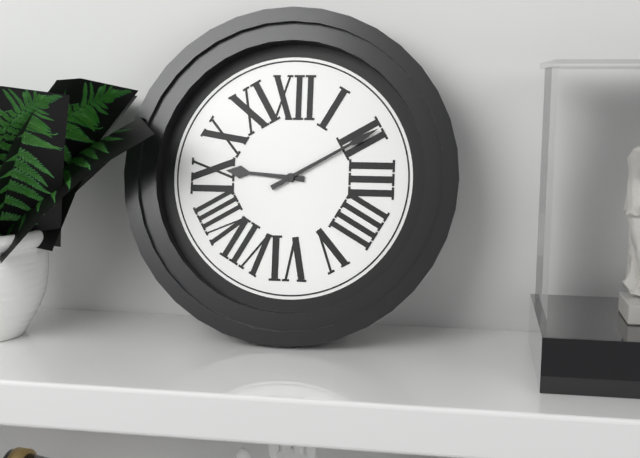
9h10
